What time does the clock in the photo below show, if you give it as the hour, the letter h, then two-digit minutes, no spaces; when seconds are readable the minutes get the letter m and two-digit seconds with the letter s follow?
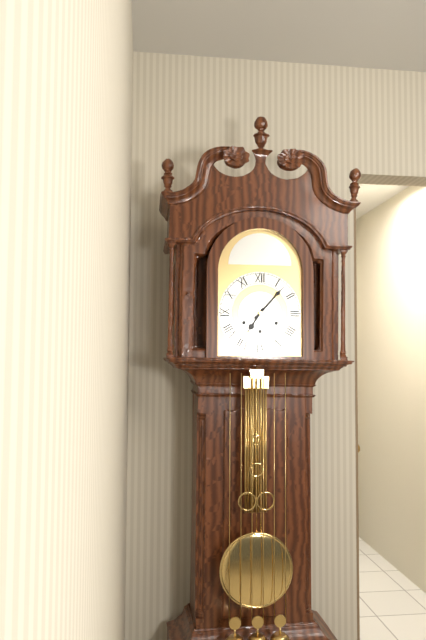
7h07
